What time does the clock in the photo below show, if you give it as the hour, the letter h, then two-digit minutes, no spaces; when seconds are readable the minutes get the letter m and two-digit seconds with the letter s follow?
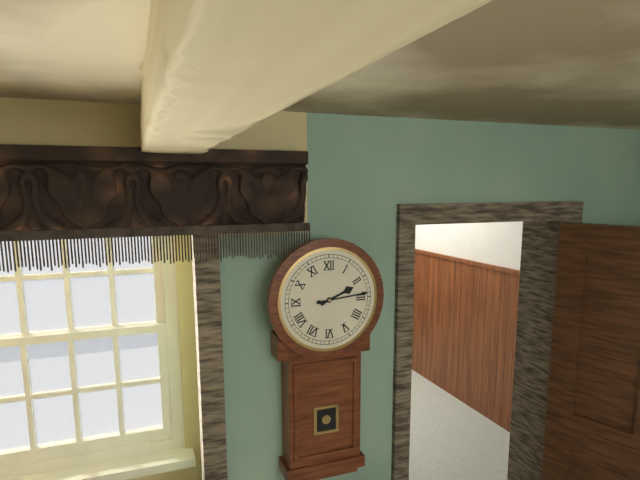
2h14
